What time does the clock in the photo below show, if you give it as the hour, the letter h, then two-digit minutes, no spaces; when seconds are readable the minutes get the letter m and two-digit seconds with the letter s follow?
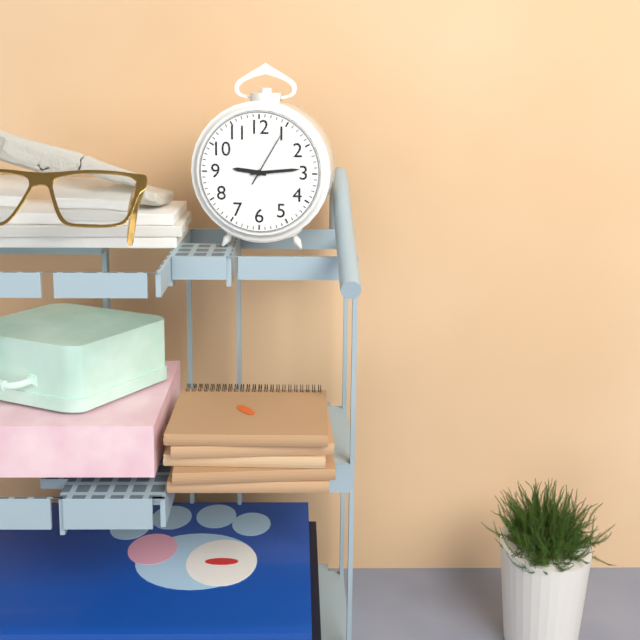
9h14m05s
